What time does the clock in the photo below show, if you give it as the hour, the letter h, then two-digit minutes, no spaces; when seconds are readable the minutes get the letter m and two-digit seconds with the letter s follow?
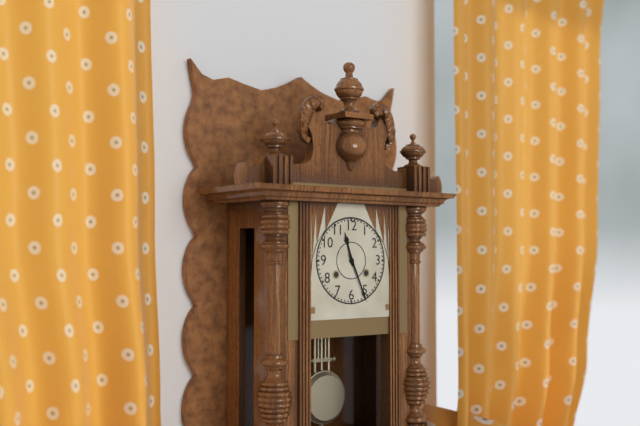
11h26
